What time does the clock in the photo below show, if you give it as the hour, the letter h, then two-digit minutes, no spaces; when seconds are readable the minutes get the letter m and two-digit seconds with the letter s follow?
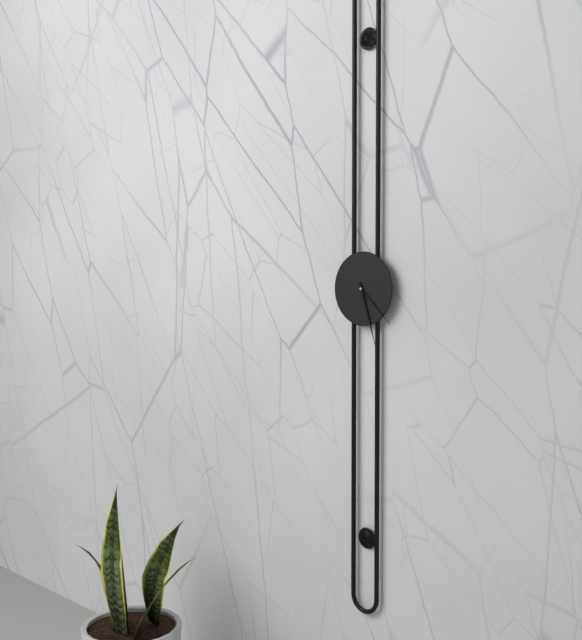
4h27
